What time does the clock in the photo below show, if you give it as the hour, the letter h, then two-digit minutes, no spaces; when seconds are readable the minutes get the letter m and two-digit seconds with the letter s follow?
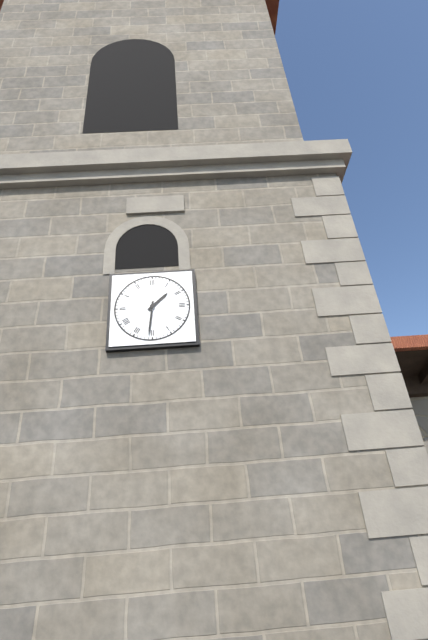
1h31
